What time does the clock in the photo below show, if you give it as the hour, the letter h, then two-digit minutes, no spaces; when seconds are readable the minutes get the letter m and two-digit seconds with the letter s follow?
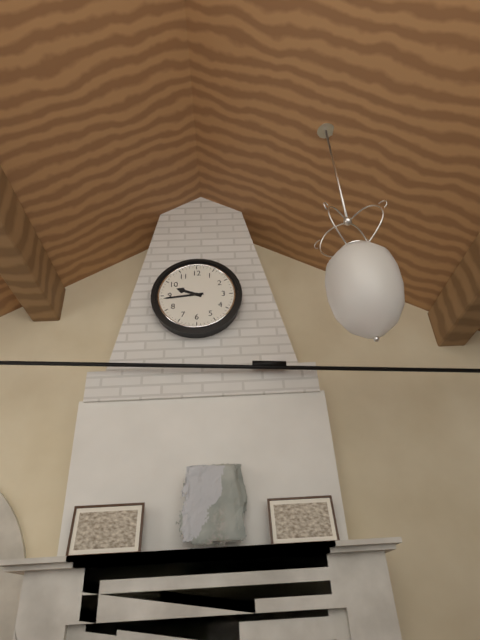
9h44
